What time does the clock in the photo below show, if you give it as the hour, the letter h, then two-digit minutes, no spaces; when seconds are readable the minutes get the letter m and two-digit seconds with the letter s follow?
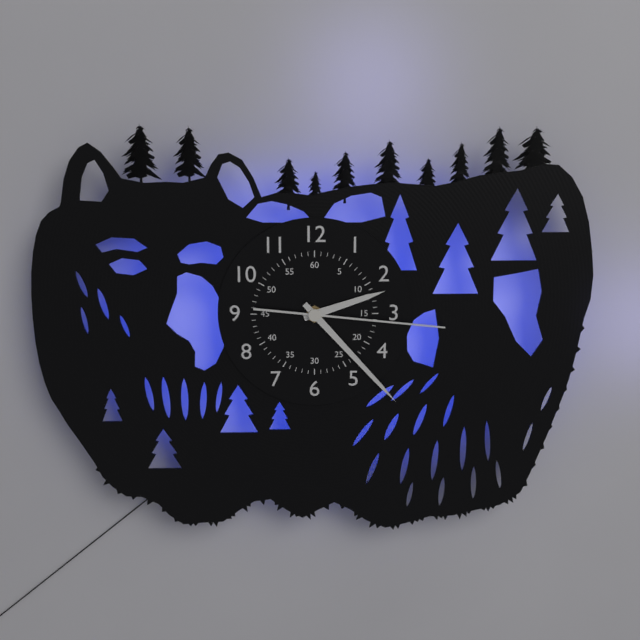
2h23m16s
